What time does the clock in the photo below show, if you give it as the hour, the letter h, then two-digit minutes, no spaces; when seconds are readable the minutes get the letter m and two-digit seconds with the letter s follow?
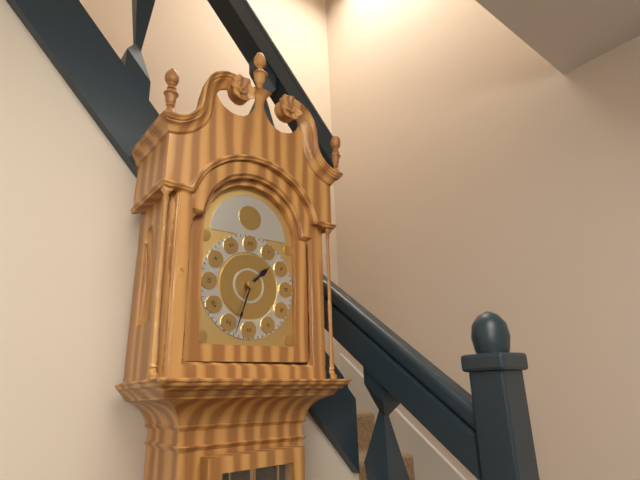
1h33
